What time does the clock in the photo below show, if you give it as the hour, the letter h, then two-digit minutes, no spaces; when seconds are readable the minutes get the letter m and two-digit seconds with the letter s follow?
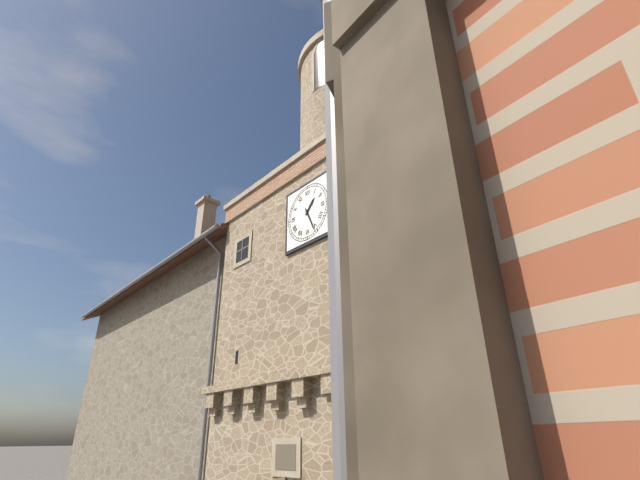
1h26
